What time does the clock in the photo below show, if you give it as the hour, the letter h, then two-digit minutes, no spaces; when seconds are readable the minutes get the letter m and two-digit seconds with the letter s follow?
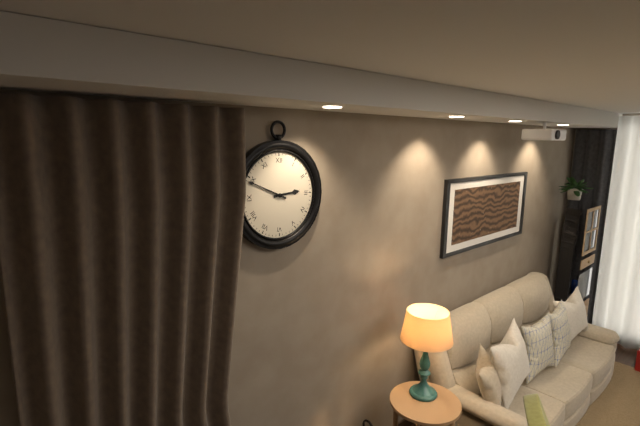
2h49
